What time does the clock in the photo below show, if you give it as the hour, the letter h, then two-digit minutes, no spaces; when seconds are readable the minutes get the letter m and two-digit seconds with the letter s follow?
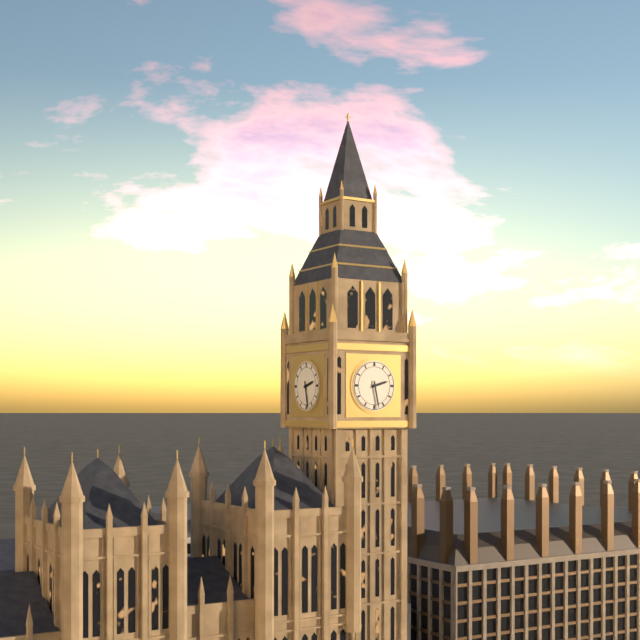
2h28
